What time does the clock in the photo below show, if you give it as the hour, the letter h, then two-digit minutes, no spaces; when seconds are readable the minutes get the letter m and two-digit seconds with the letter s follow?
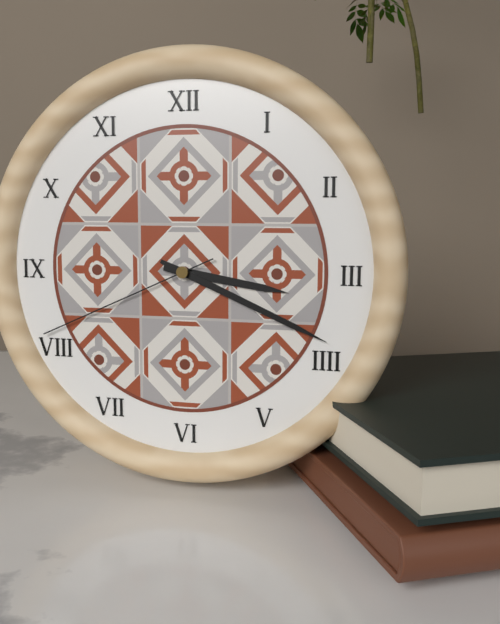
3h19m41s
